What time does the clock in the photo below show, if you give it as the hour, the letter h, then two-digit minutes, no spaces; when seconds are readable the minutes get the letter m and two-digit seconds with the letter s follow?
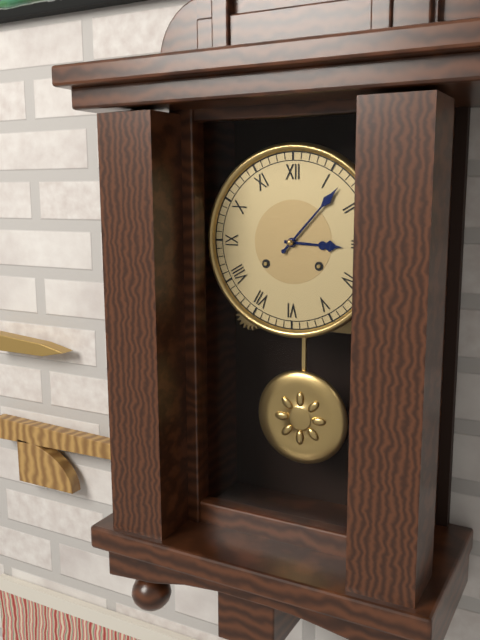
3h07
